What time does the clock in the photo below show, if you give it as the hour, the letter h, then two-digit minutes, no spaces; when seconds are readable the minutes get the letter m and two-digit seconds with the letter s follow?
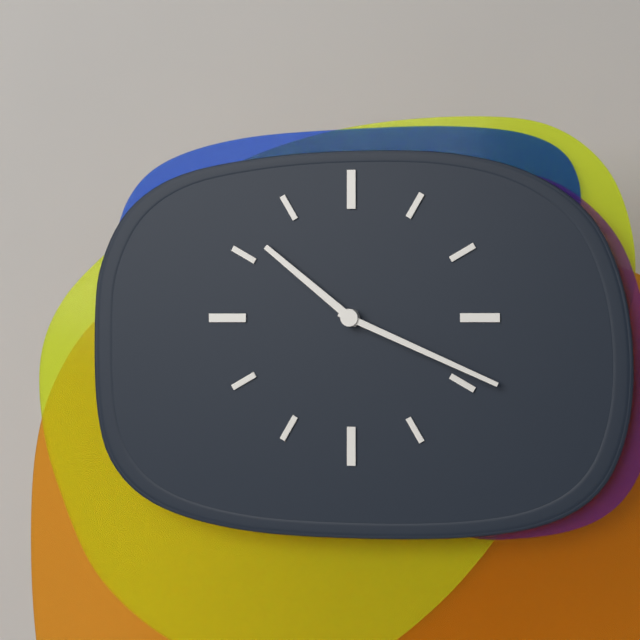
10h19
